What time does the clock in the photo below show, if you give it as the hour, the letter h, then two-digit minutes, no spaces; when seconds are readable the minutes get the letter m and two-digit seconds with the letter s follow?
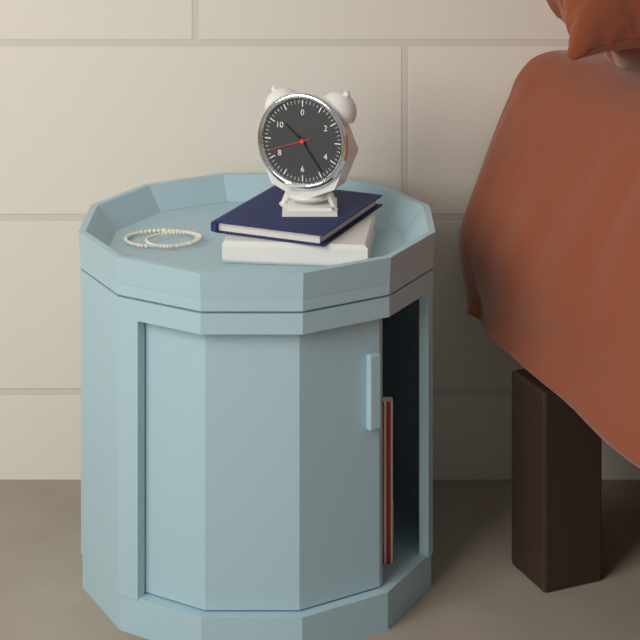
10h24
